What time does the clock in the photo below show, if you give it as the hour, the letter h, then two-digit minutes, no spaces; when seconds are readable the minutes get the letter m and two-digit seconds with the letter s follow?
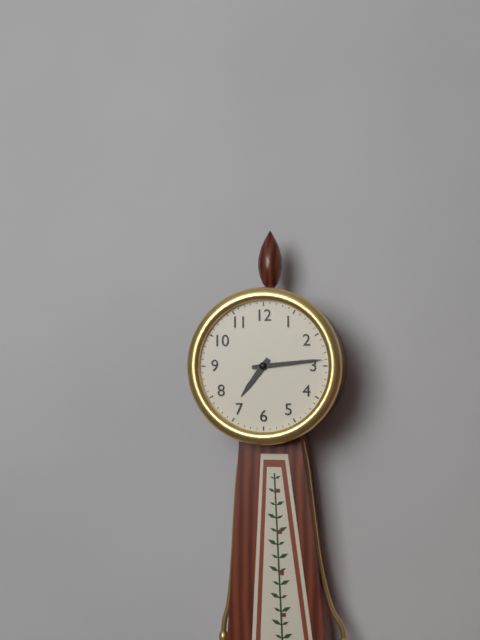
7h14
